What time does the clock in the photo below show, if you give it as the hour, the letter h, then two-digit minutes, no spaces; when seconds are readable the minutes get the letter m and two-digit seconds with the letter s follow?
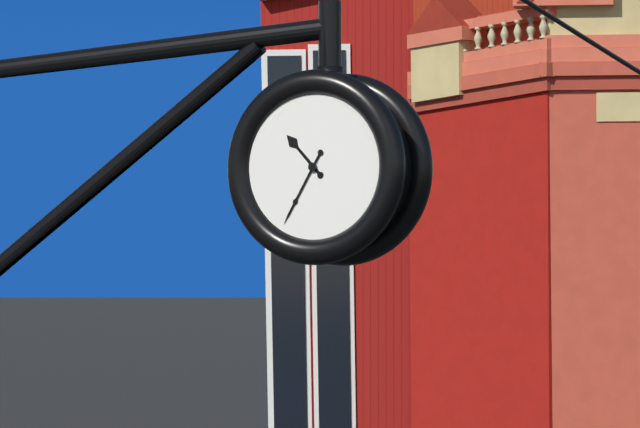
10h35
